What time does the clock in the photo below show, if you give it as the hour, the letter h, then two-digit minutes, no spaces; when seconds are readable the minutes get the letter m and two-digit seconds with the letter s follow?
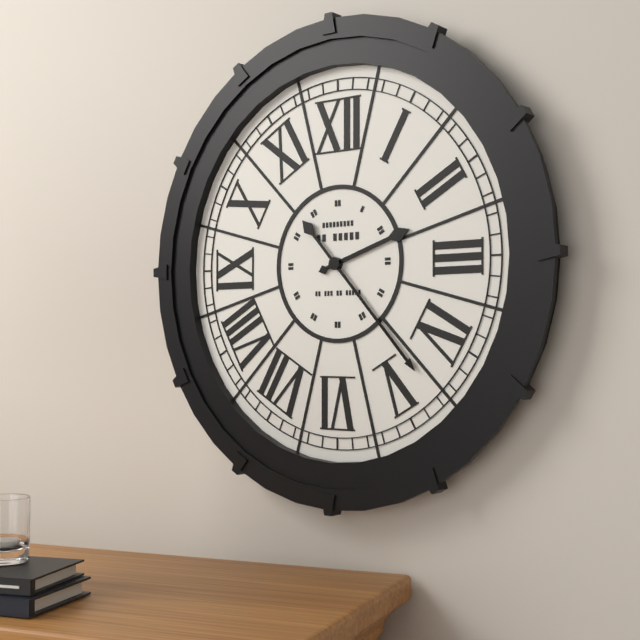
2h23
